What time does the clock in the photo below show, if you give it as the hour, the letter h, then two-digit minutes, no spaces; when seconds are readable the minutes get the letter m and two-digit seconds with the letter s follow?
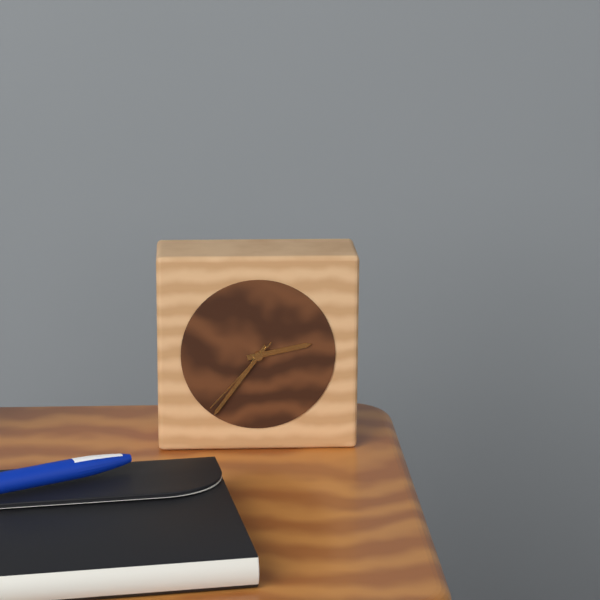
2h36m37s
